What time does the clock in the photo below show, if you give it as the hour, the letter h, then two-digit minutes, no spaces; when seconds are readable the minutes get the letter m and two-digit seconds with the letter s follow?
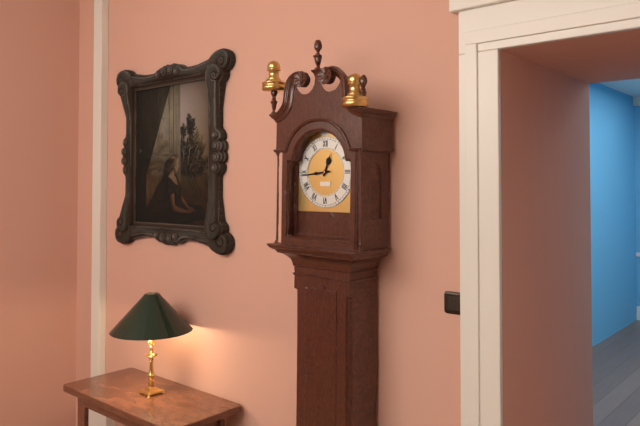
12h44
